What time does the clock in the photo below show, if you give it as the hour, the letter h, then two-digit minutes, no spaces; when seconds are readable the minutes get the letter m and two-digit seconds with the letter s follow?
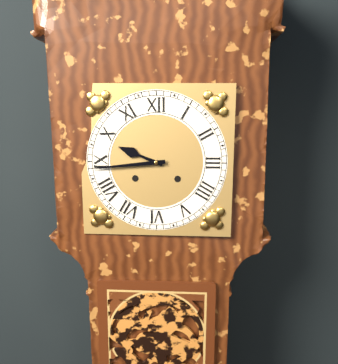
9h44
